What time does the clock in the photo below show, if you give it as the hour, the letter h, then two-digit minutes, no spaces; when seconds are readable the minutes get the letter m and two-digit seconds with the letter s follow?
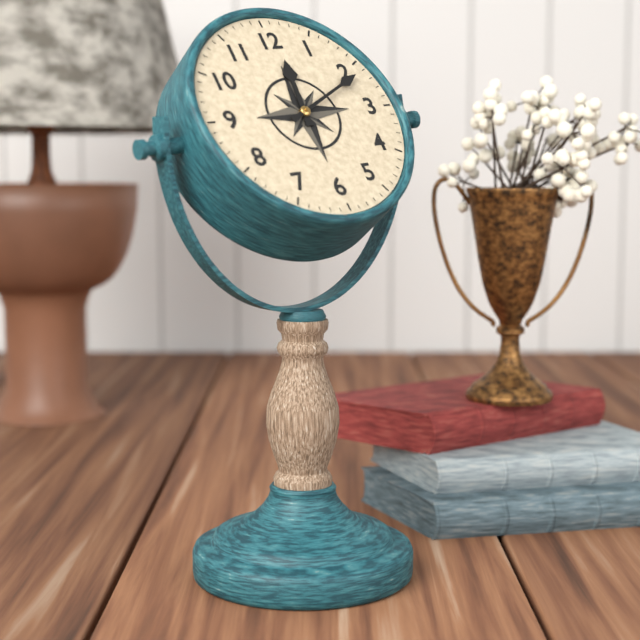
12h11
